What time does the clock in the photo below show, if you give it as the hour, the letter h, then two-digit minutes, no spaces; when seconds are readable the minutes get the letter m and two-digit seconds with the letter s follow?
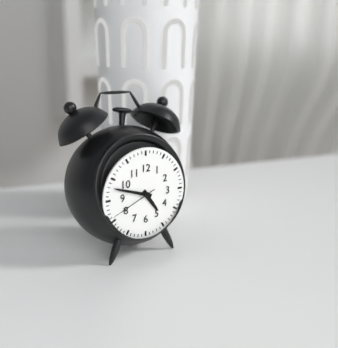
4h48
